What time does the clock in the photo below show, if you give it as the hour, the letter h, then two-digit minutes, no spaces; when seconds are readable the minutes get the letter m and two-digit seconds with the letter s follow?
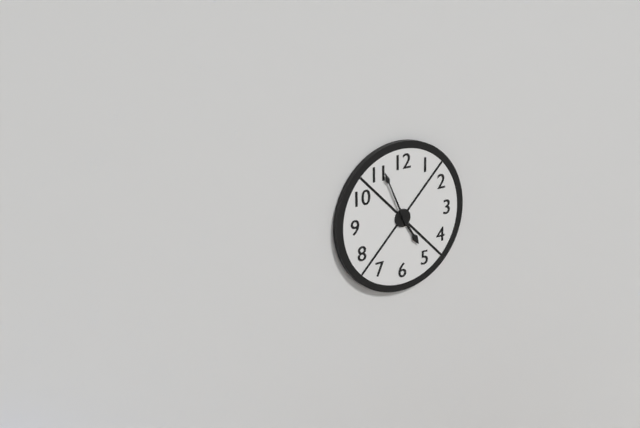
4h56
